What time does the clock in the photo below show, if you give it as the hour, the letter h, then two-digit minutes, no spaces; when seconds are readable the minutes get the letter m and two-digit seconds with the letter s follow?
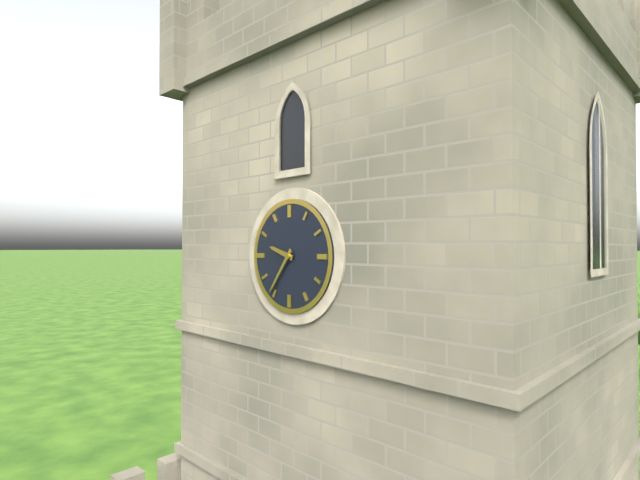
9h36
